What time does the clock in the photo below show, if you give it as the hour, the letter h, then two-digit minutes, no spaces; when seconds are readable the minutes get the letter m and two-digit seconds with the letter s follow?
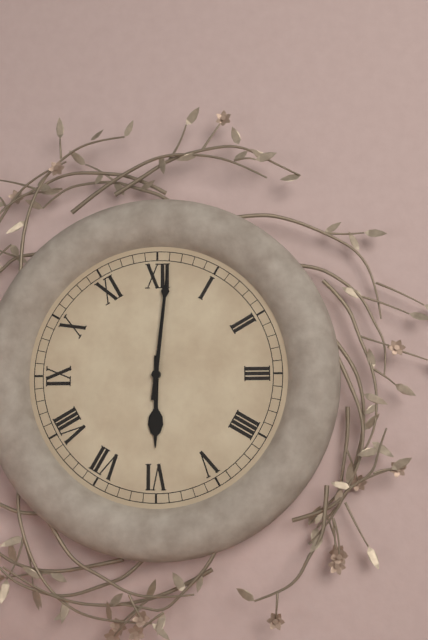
6h01
